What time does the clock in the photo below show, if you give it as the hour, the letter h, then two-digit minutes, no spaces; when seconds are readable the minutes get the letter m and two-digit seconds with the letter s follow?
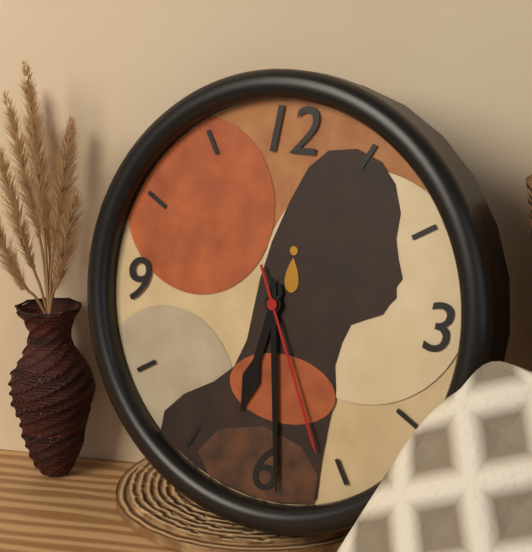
6h29m26s
